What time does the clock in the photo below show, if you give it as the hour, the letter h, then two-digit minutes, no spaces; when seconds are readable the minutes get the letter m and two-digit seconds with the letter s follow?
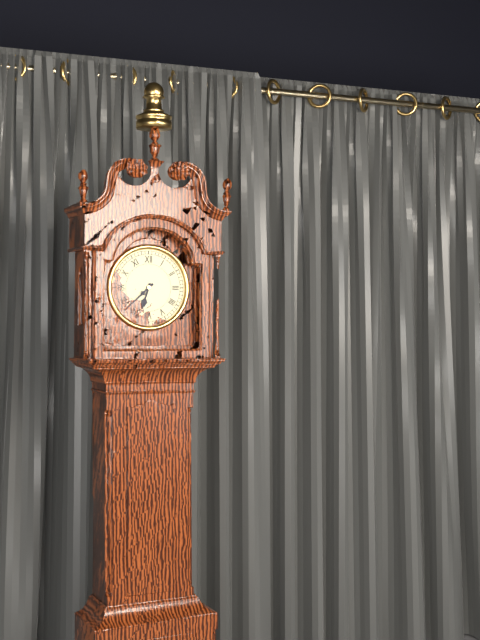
6h38
